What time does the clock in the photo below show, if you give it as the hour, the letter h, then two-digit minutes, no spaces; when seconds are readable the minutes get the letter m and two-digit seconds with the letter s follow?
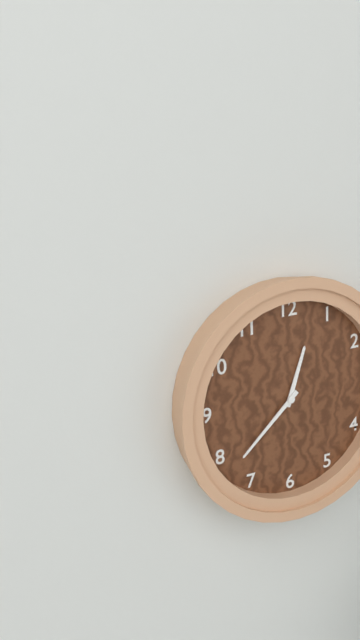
12h38
